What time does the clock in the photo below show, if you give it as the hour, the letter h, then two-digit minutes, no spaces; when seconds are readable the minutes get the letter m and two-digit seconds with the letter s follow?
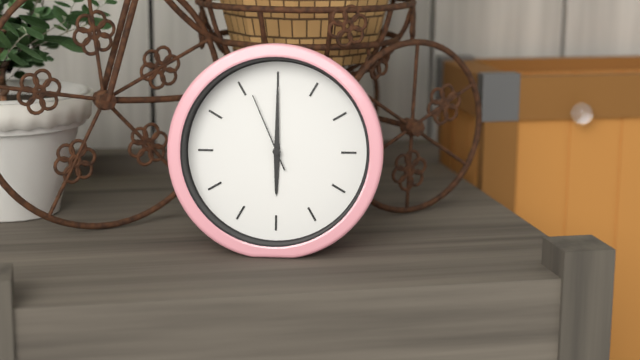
6h00m56s
